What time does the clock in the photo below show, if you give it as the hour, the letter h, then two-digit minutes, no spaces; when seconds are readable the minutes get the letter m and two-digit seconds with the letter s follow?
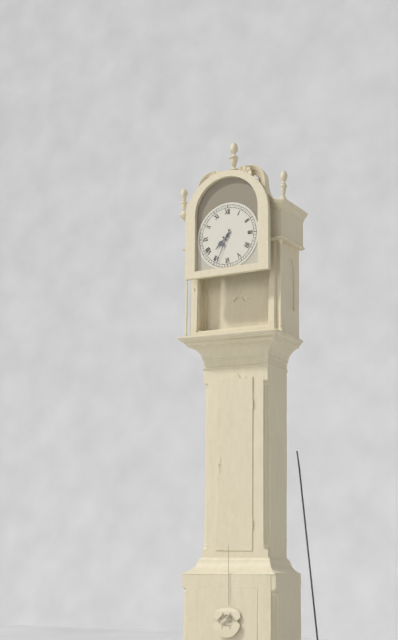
7h34
